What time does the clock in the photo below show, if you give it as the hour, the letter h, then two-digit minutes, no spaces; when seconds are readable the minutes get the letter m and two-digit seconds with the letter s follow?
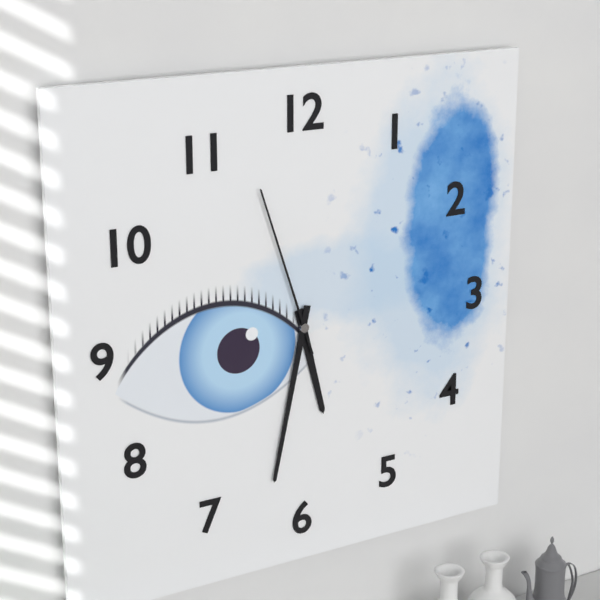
5h32m57s
